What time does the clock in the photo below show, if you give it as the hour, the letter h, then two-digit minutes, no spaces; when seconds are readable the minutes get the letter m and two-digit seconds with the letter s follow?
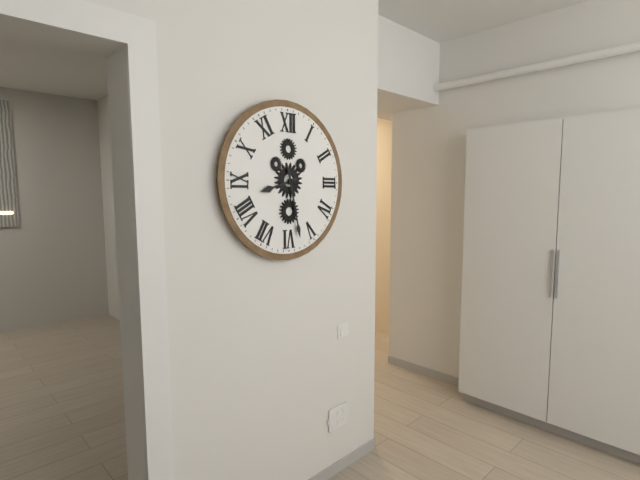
8h28
